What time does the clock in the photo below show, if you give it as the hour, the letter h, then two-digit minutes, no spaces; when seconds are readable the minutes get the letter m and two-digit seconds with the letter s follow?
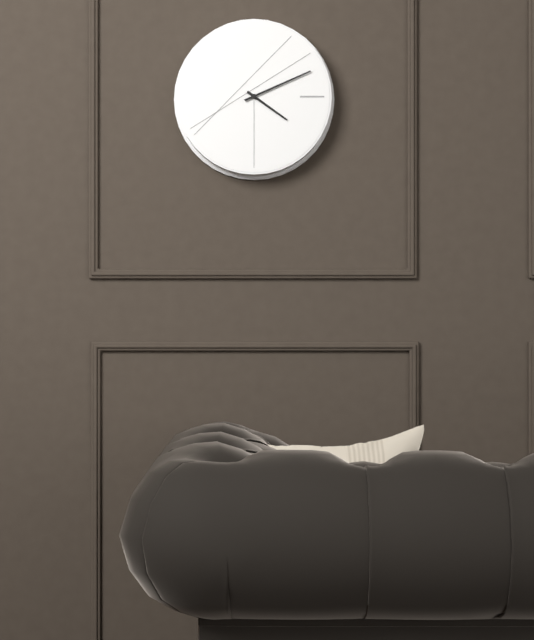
4h11
